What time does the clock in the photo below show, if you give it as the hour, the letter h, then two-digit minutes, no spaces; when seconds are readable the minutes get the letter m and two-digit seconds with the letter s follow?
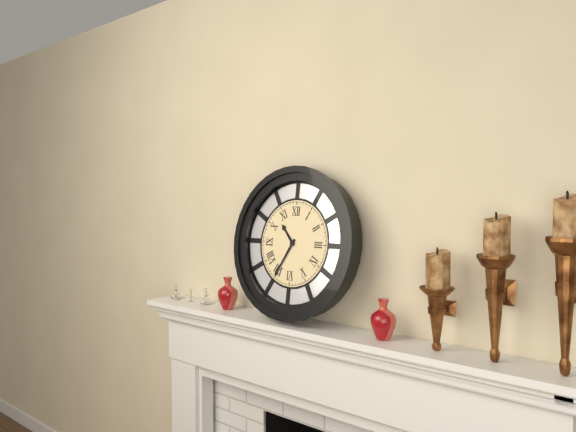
10h35
